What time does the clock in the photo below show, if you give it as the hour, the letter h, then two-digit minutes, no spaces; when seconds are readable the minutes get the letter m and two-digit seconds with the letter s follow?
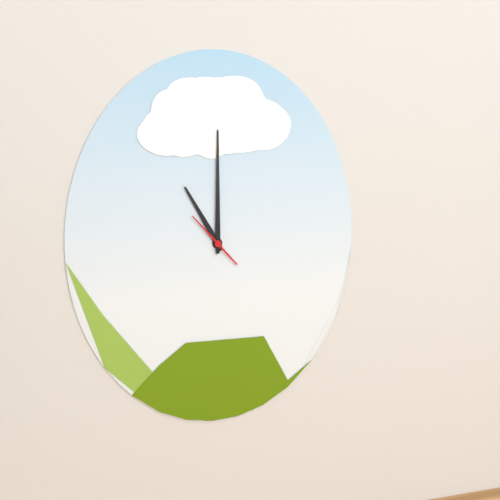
11h00
